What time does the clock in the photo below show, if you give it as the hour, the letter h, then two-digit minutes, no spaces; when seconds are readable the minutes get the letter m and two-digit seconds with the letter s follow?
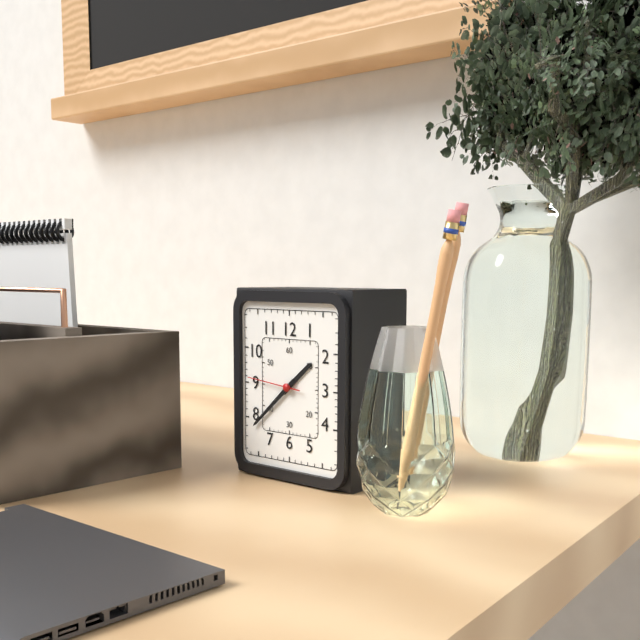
1h38m46s
